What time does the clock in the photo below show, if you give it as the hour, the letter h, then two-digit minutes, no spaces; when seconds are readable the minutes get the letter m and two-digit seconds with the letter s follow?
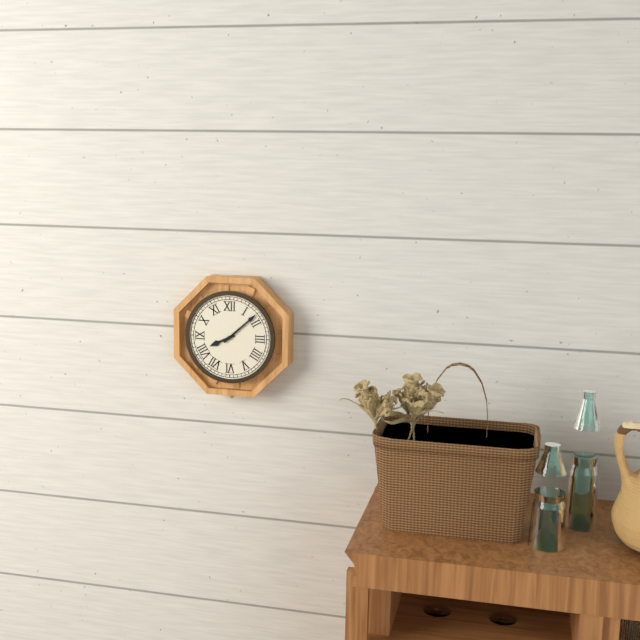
8h08
